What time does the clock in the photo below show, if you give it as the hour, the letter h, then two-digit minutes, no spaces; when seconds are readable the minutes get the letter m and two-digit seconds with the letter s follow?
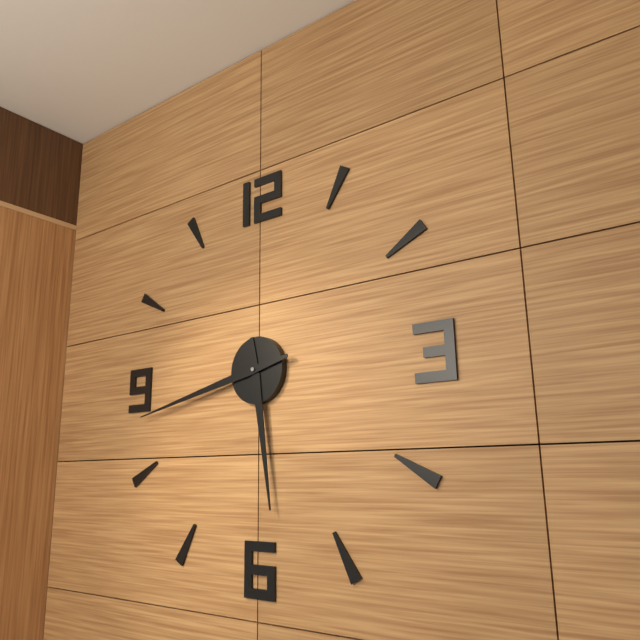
5h43
